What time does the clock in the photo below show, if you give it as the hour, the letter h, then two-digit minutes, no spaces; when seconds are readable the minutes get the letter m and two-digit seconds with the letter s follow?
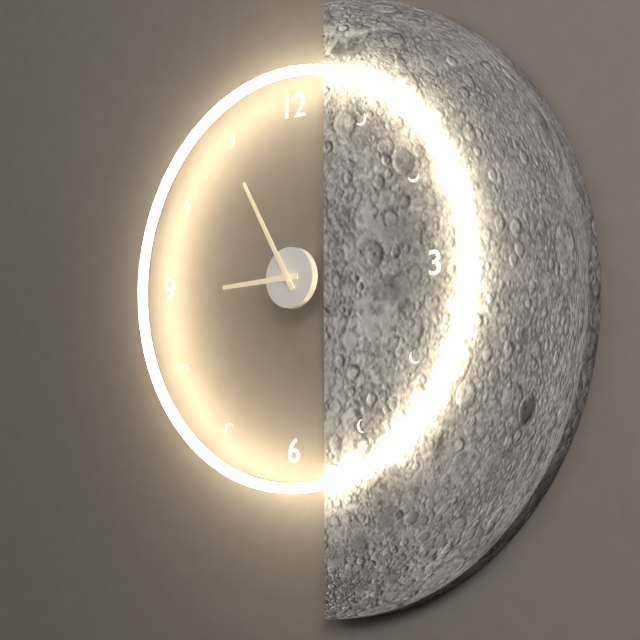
8h55
